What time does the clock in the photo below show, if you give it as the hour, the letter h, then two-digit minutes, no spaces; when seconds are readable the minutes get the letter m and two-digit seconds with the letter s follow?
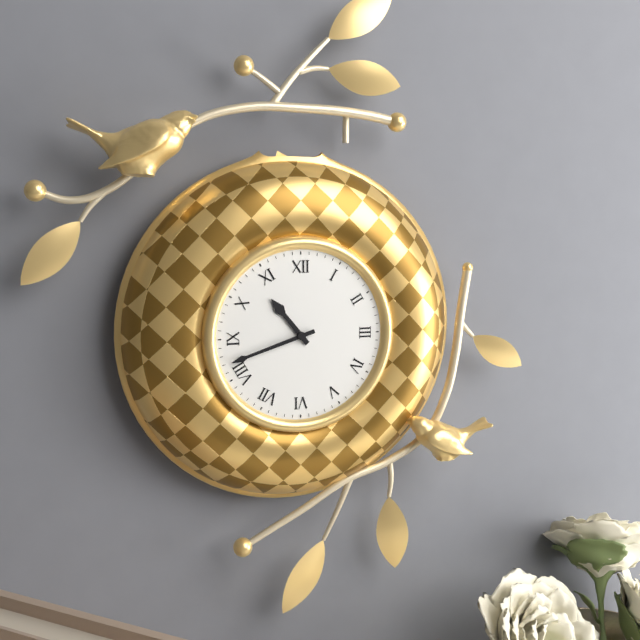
10h42
